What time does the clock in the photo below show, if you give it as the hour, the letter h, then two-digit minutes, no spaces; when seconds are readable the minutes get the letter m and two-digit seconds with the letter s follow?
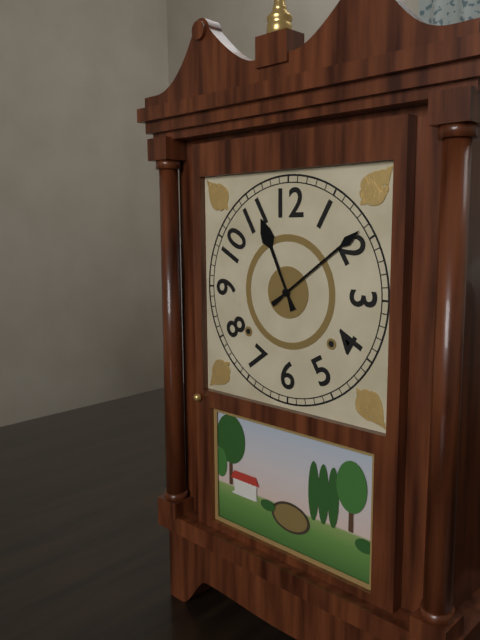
11h09
